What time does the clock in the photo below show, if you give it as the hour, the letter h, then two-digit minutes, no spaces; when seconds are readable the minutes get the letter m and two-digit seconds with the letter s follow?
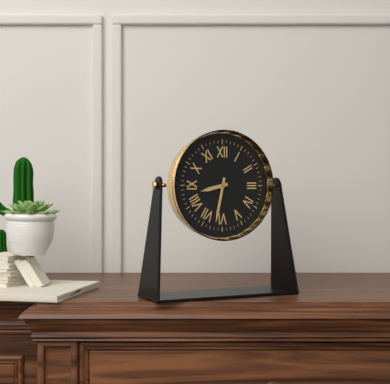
8h32
